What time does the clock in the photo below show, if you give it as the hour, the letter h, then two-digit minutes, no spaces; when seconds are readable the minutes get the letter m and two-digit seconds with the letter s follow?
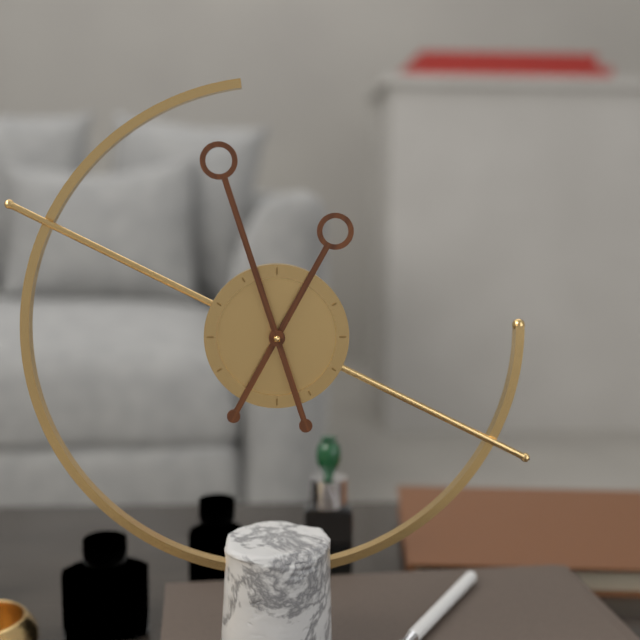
12h57
